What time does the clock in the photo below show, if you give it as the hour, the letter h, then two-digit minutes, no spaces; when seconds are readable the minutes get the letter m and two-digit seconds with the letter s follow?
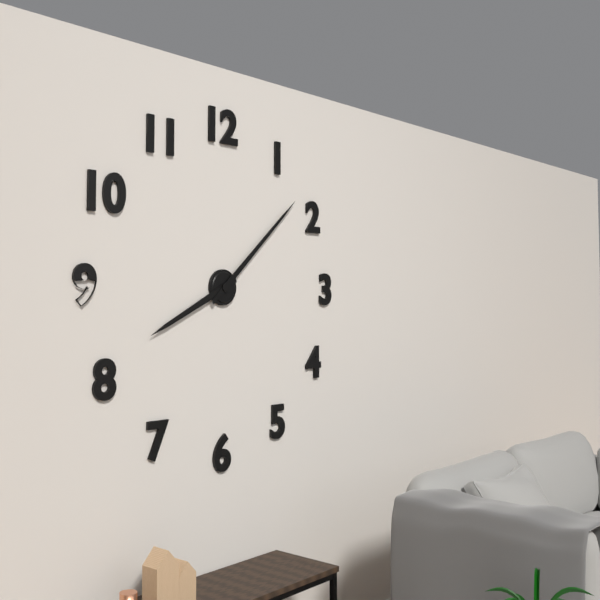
8h08
